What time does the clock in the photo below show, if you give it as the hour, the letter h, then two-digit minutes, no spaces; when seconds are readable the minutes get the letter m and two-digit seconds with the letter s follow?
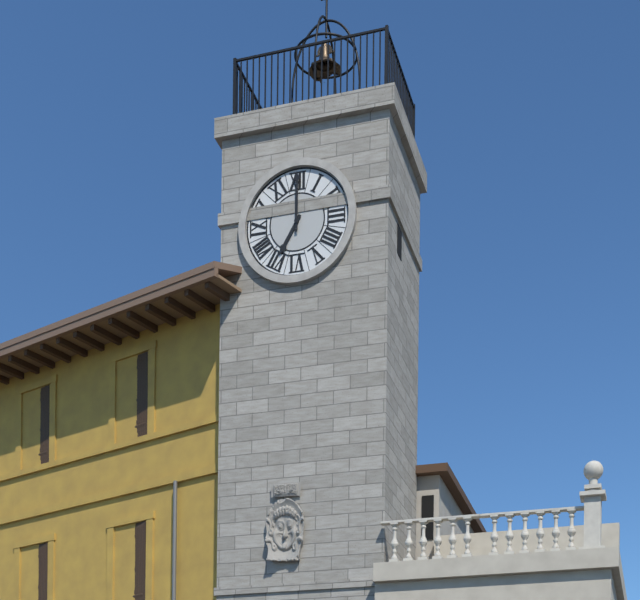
7h00
